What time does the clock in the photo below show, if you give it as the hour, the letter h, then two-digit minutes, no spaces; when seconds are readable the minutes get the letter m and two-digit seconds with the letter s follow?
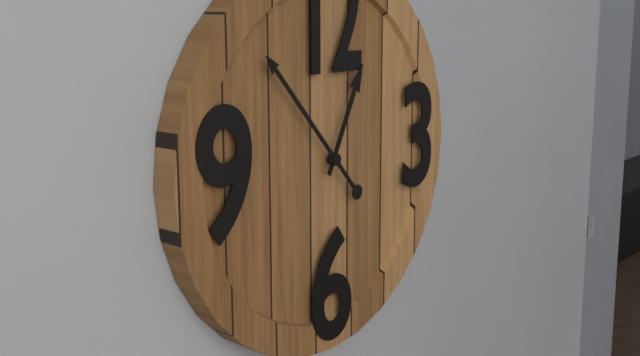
12h53
